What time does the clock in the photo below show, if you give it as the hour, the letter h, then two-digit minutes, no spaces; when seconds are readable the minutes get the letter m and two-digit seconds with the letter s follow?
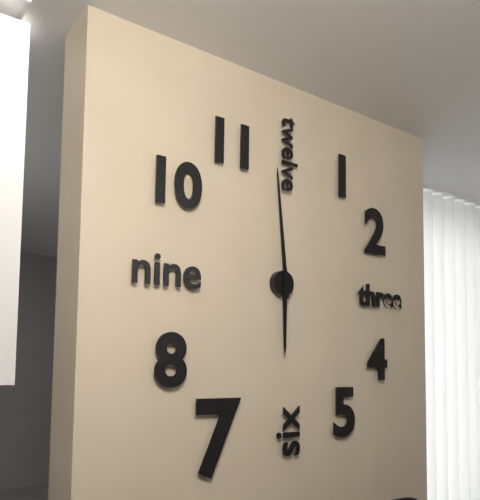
5h59
